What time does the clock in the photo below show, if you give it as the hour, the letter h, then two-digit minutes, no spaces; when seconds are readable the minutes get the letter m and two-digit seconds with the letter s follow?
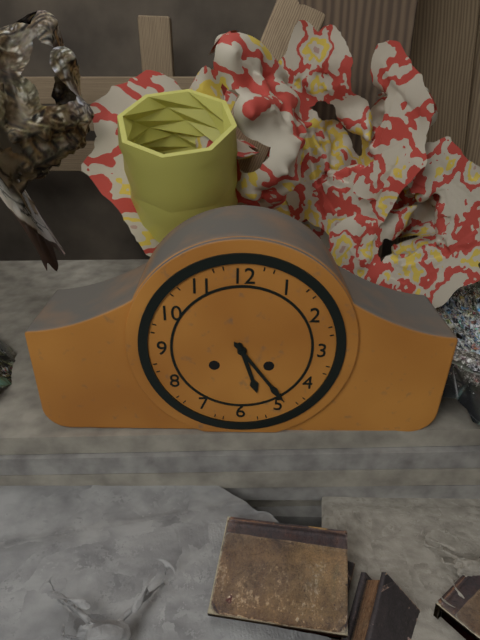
5h24
